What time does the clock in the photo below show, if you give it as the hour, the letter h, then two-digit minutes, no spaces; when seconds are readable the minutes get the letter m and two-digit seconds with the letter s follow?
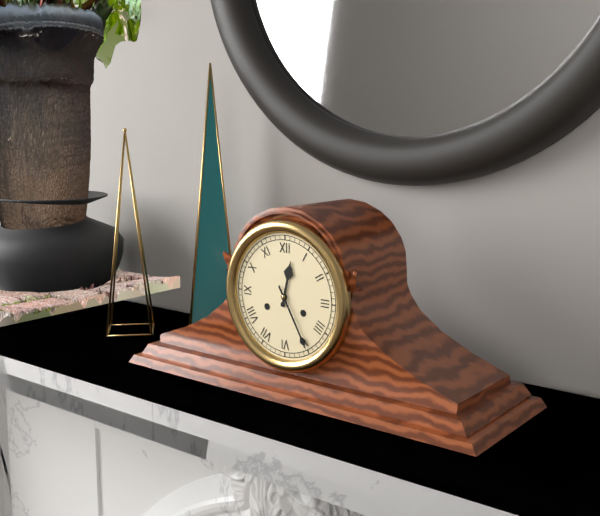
12h25
